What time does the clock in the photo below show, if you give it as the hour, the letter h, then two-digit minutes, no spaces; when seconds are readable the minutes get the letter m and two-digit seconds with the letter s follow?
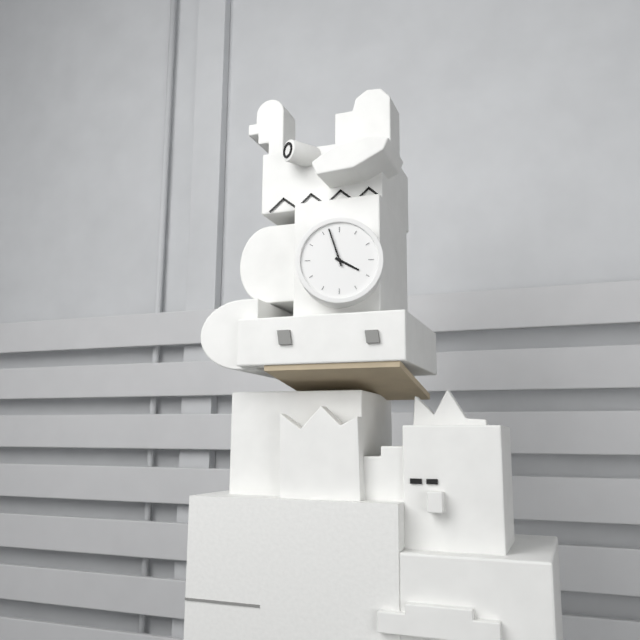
3h57
